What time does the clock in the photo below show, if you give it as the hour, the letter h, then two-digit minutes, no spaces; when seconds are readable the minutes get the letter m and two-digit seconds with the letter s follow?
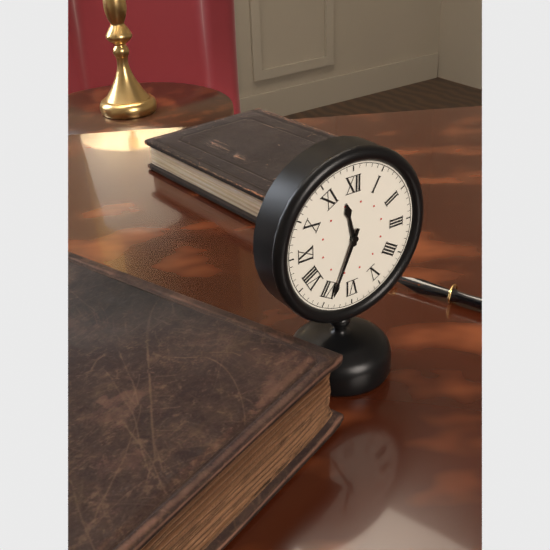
11h34
